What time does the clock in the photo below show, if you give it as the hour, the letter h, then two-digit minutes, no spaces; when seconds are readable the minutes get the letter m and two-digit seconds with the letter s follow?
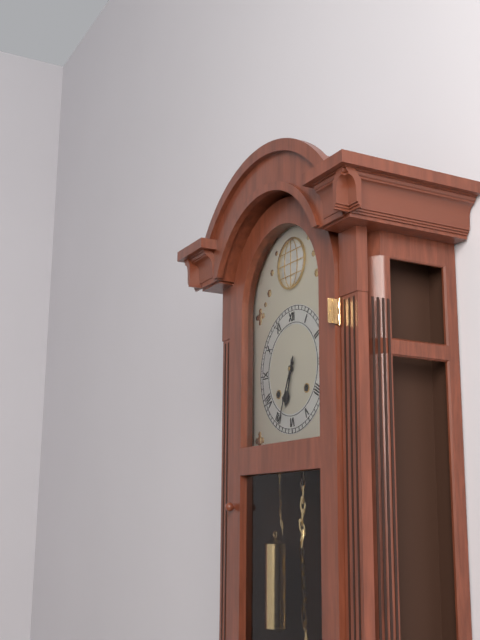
6h34
